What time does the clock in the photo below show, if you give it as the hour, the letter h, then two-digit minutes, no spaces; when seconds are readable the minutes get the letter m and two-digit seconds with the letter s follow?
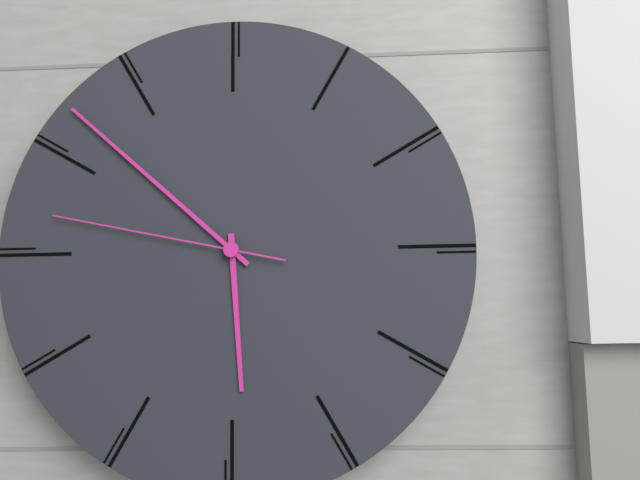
5h52m47s
